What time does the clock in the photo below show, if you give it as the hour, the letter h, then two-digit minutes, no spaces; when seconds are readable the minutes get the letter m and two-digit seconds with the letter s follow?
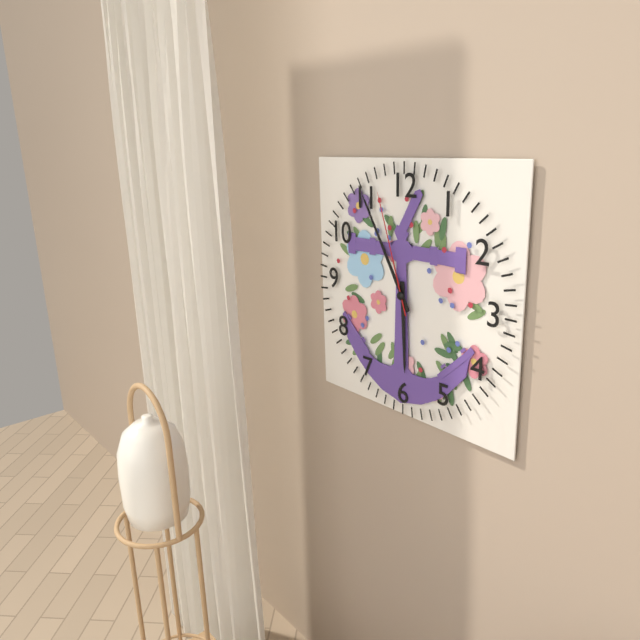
5h55m57s
